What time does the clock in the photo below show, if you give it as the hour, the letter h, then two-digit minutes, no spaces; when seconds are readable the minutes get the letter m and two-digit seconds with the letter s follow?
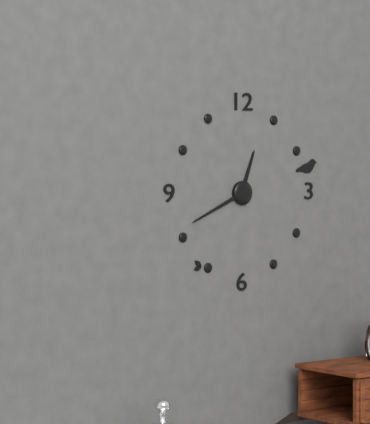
12h41
